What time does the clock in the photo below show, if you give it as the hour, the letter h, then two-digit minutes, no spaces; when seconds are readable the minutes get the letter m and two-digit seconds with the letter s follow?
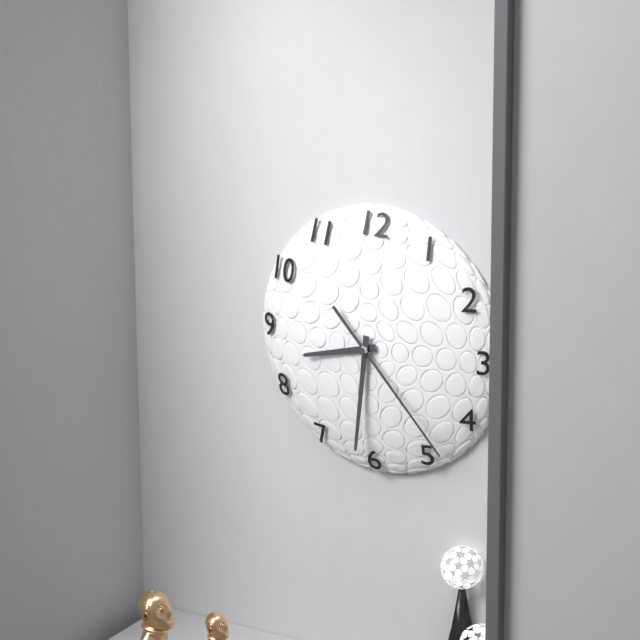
8h31m23s
